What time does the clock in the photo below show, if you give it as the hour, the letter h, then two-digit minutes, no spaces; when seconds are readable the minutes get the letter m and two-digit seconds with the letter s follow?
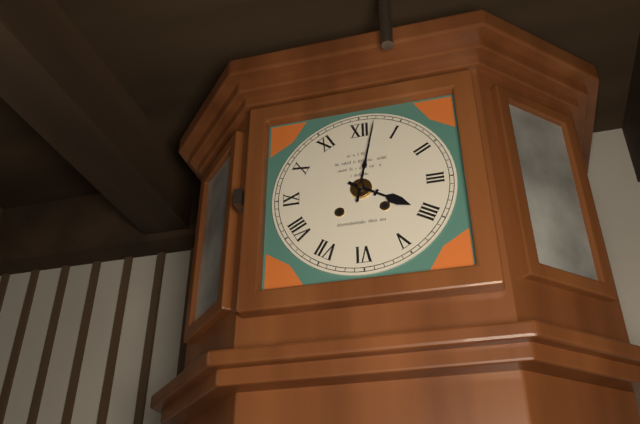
4h02
